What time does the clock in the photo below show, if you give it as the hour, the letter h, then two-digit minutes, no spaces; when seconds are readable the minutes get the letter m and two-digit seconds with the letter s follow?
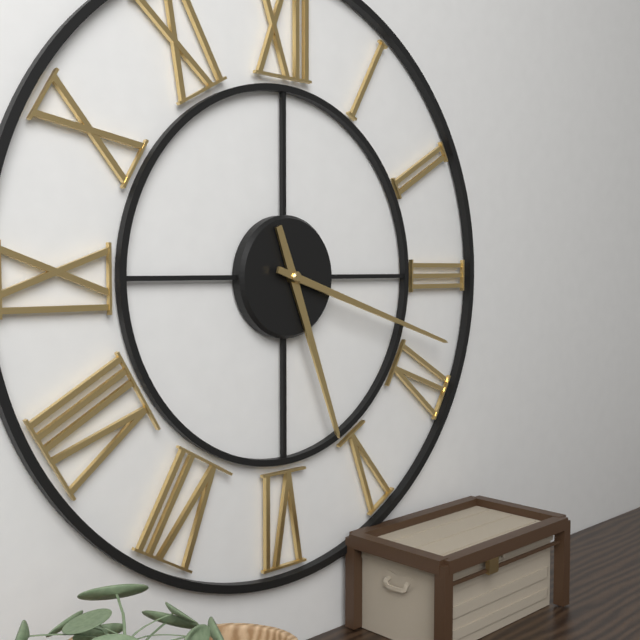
5h18
